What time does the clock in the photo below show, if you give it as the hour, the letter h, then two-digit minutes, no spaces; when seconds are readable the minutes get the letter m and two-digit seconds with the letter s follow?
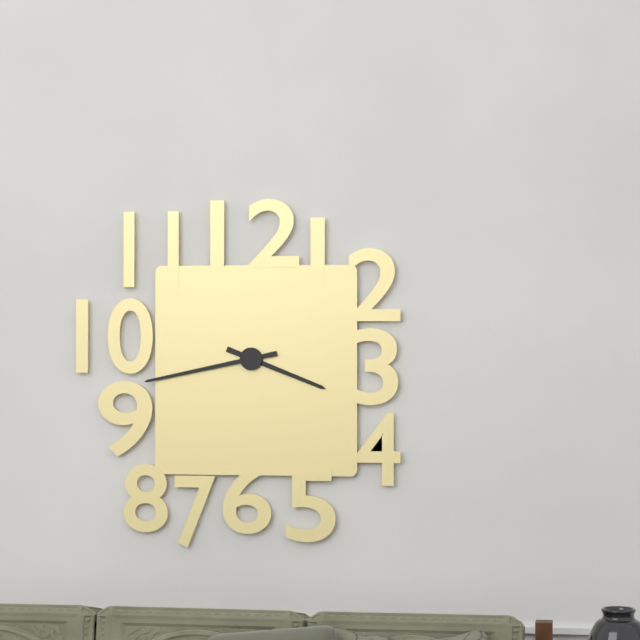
3h43
